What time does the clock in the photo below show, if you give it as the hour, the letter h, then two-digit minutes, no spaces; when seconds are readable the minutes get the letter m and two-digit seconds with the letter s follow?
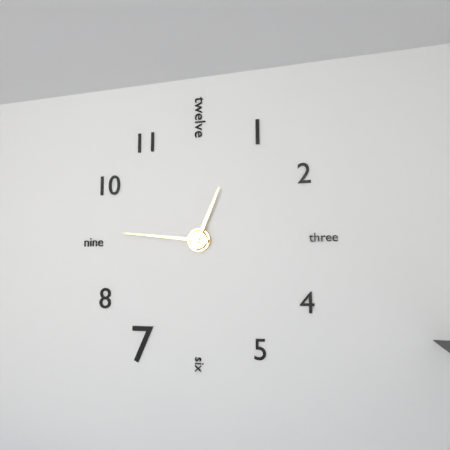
12h46
